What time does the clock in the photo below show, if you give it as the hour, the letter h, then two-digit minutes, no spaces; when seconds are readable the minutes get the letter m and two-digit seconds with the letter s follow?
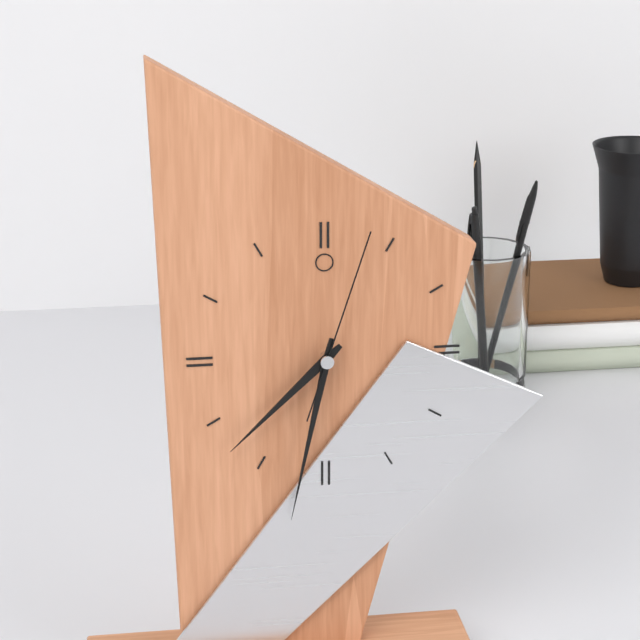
7h32m03s
